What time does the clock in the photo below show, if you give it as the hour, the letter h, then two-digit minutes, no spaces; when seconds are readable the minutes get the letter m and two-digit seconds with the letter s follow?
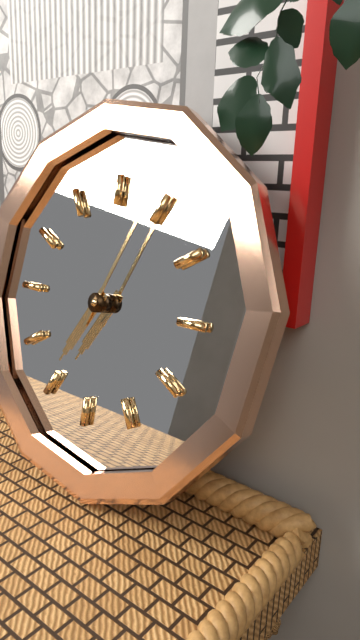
7h04
